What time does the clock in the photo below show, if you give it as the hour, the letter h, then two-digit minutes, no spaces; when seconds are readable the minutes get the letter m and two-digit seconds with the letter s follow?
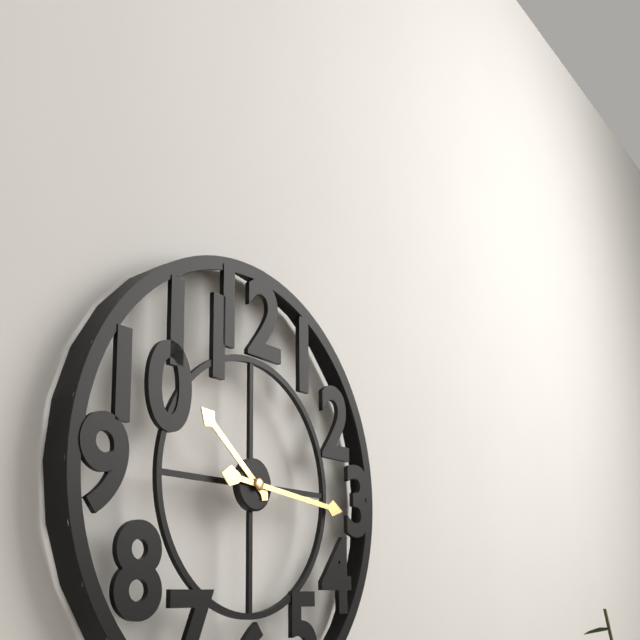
10h16
